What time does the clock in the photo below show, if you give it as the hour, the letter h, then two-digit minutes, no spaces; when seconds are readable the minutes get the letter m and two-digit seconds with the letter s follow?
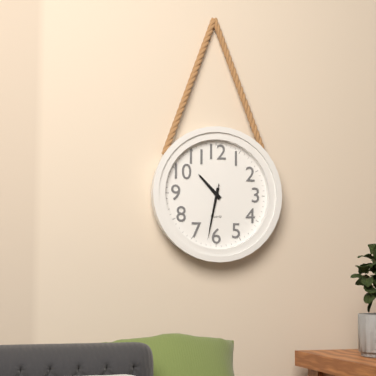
10h32m32s
